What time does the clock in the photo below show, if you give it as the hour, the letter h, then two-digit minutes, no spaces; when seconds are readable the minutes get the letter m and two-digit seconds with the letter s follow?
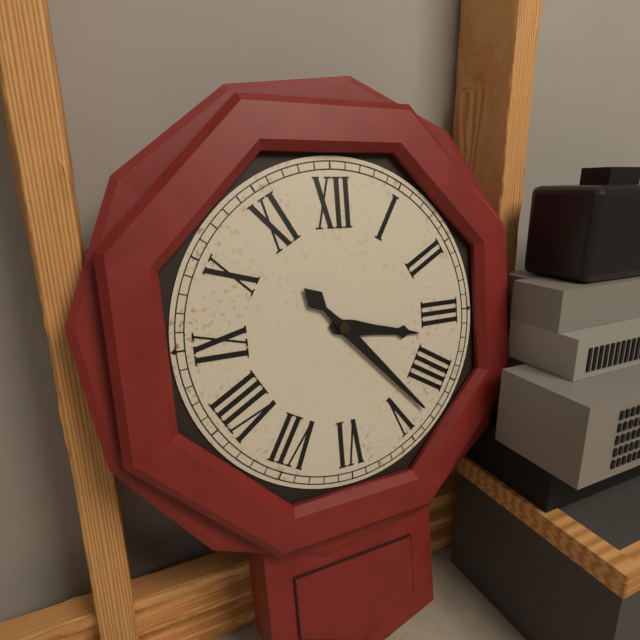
3h23
